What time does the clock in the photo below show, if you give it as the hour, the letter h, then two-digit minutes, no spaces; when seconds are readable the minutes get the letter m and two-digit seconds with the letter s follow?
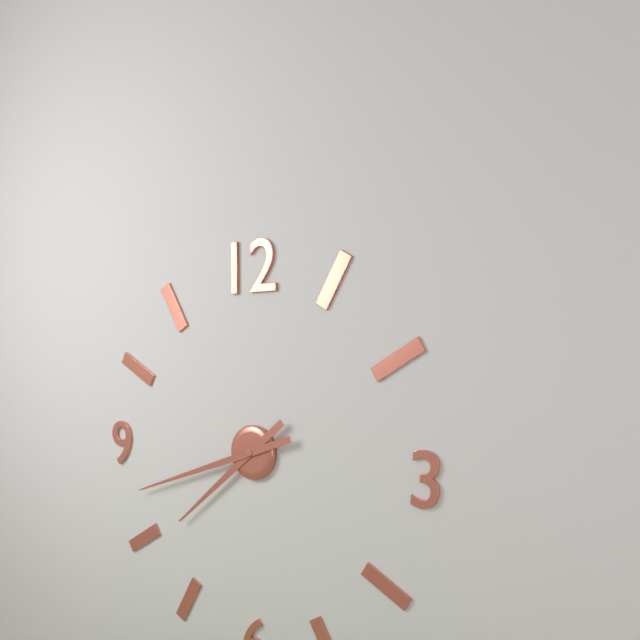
7h42
